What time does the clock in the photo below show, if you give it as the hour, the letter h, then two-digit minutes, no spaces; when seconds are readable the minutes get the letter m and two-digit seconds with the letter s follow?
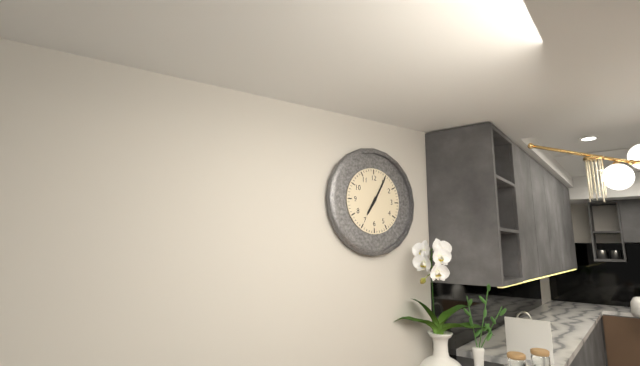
7h05
